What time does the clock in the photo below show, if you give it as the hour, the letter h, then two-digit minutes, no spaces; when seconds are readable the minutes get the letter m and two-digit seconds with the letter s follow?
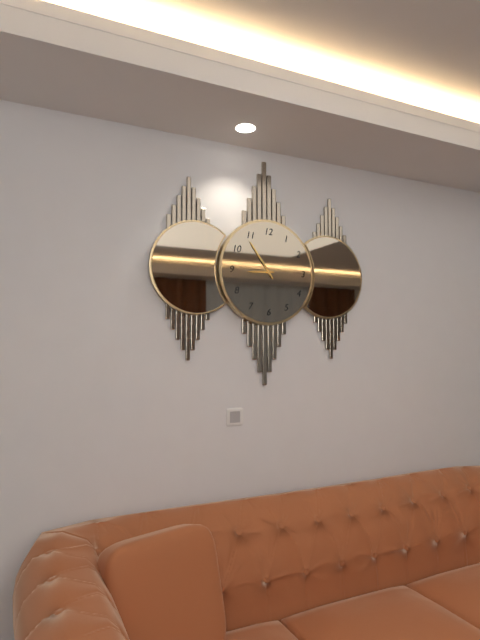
8h54
